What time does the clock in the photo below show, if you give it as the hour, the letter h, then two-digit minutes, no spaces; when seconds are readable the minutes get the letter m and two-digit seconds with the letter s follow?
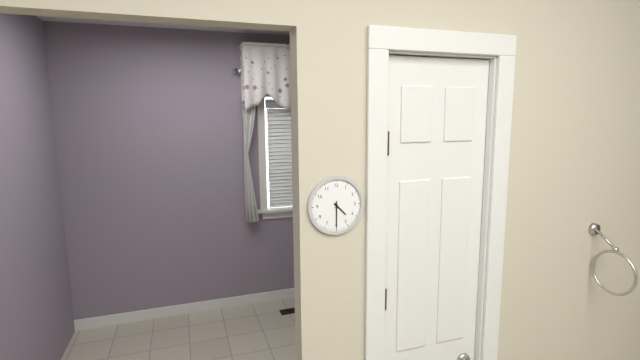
4h30
